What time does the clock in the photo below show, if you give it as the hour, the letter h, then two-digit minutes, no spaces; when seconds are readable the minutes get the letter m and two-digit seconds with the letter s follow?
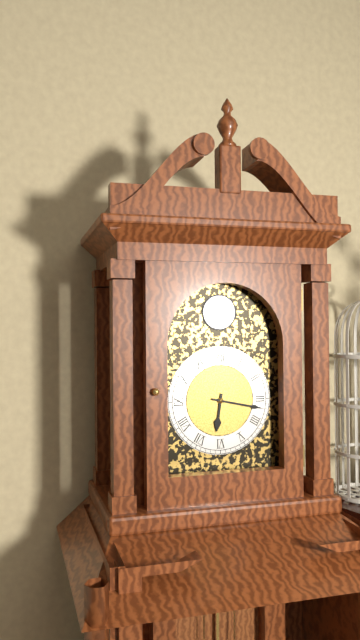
6h17
